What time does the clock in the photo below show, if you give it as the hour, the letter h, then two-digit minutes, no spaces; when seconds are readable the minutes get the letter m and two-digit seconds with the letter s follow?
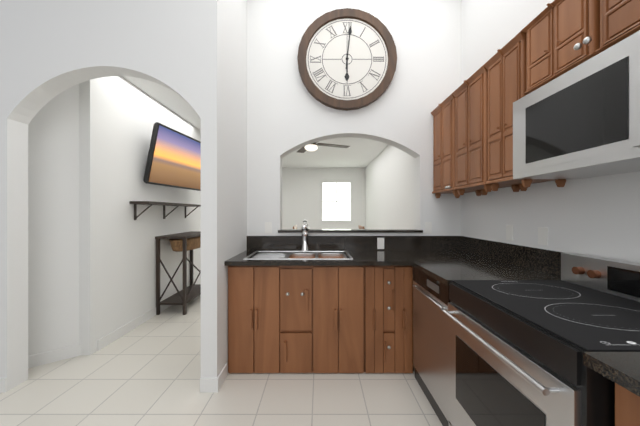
6h01
